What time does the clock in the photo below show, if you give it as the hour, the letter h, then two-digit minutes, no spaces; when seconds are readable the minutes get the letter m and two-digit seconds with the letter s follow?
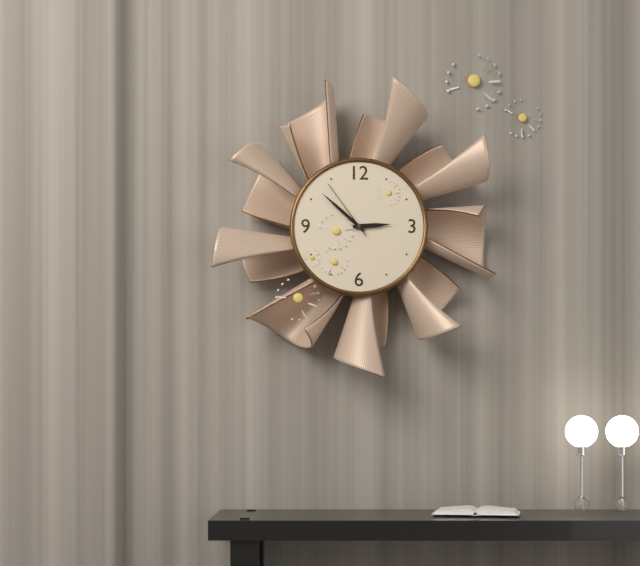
2h52m54s
